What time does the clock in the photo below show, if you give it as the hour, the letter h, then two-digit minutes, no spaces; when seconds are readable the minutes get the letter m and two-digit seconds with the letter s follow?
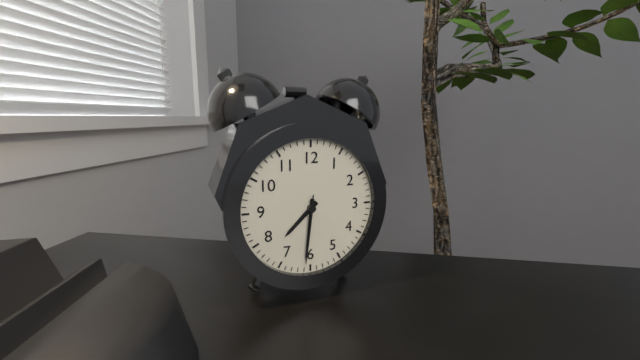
7h31m31s
